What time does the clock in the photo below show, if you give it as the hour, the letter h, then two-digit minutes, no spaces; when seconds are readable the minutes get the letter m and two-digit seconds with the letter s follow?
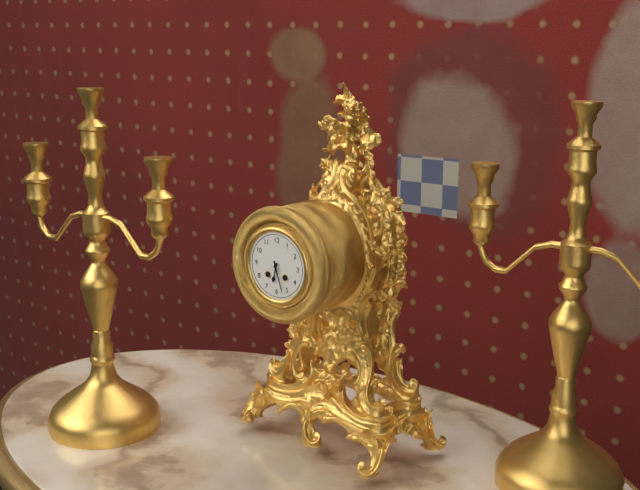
6h27
